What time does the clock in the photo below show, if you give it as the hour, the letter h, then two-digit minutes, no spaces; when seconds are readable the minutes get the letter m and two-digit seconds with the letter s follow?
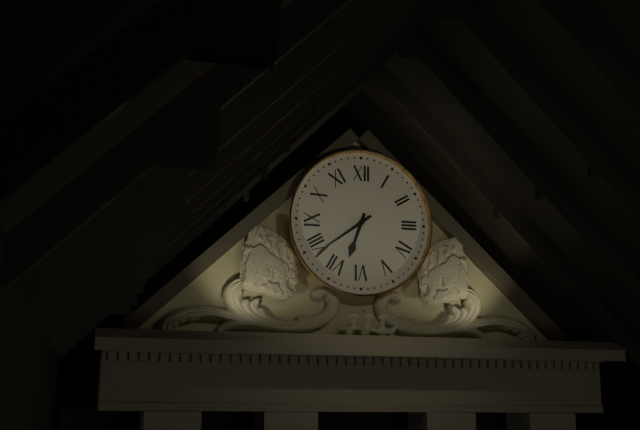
6h39
